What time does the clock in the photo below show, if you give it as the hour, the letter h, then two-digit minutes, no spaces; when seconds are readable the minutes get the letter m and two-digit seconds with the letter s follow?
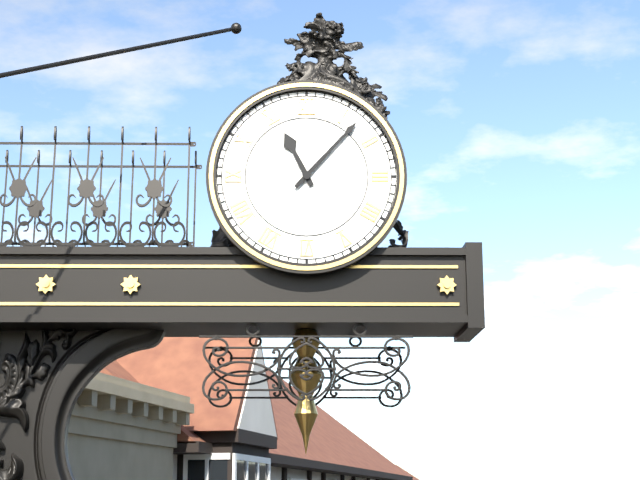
11h07
